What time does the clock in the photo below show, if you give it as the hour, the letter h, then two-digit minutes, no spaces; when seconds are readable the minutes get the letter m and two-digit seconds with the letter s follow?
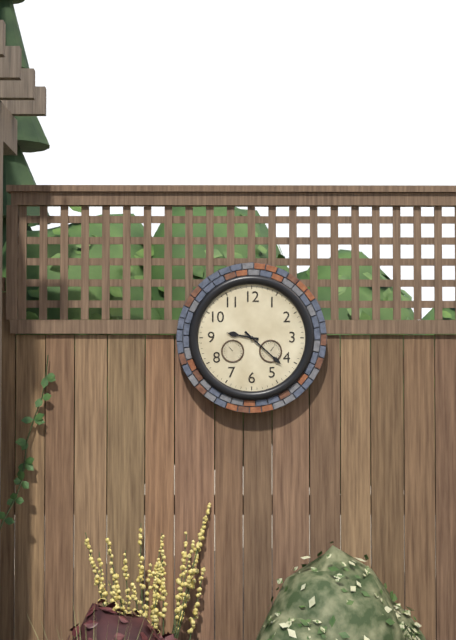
9h22
